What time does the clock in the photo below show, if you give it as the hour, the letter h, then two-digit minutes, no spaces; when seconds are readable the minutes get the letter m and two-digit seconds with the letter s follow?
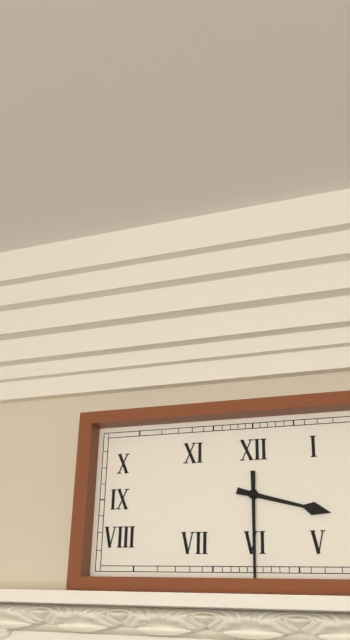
3h30
